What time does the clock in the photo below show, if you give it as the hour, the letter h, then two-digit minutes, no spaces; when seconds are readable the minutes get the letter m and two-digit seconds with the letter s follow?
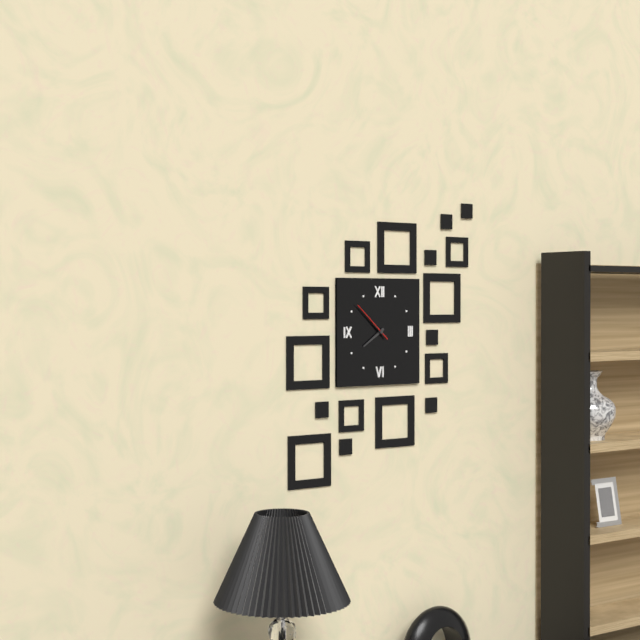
7h52
